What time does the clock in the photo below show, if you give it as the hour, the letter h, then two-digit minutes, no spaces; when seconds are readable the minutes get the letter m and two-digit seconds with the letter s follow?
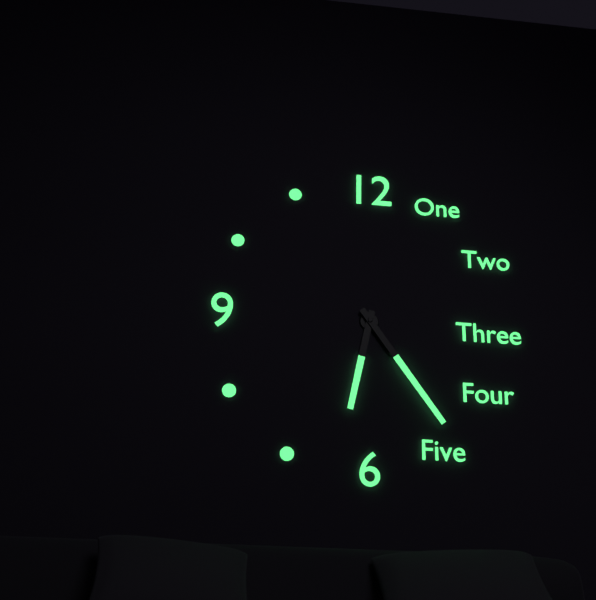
6h24
